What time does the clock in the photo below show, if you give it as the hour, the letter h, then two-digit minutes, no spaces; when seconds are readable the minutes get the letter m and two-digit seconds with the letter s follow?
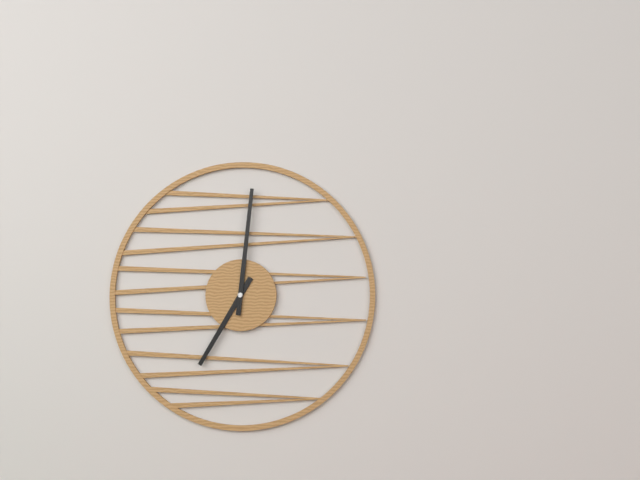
7h01
